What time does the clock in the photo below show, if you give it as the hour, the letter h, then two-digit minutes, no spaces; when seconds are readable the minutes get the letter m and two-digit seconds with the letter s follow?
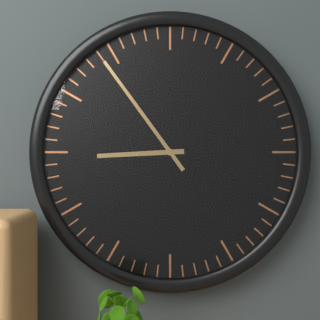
8h54
